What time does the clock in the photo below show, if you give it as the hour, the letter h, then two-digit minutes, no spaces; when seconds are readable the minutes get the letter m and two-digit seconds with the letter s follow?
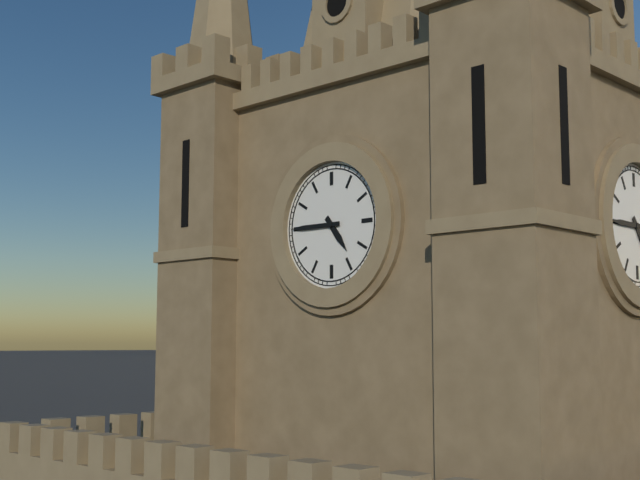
4h45
